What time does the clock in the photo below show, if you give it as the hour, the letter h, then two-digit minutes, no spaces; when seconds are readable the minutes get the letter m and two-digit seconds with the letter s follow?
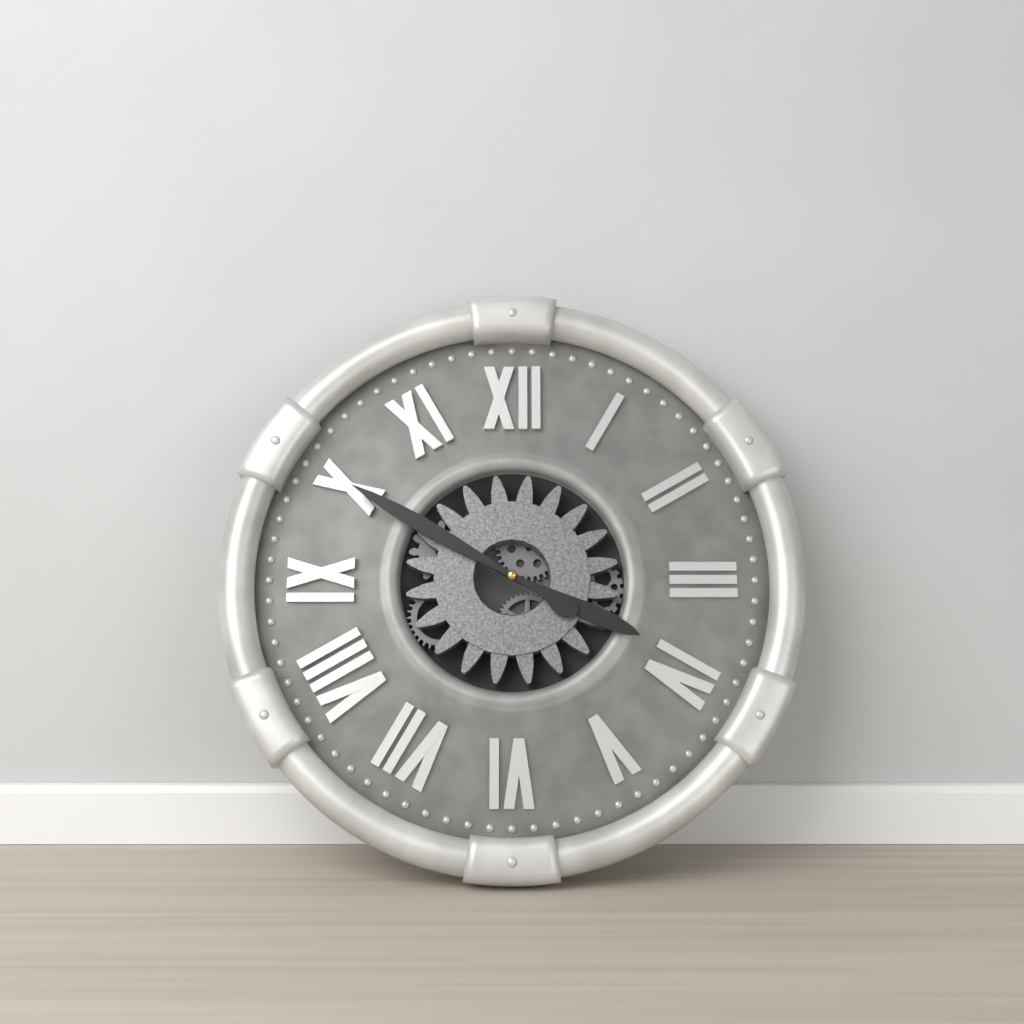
3h50
